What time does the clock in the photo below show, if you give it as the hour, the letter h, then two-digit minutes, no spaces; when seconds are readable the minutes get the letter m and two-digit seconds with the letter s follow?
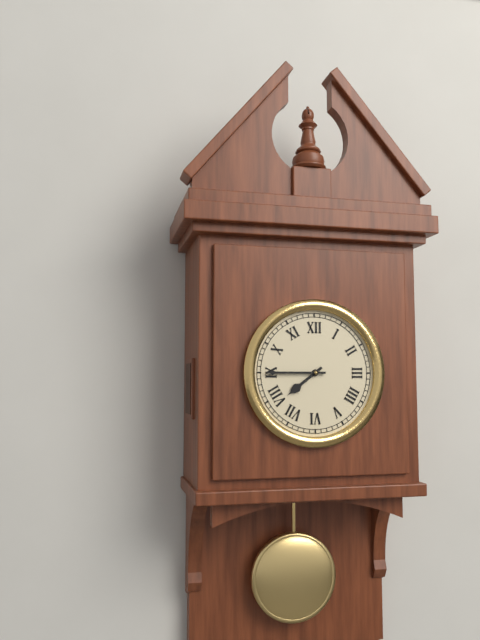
7h45
